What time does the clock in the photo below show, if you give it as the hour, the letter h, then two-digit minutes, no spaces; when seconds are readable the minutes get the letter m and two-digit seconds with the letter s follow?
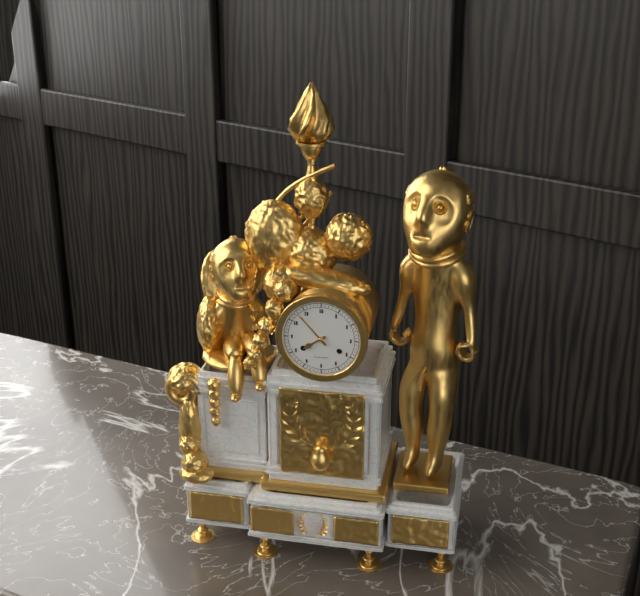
7h53
